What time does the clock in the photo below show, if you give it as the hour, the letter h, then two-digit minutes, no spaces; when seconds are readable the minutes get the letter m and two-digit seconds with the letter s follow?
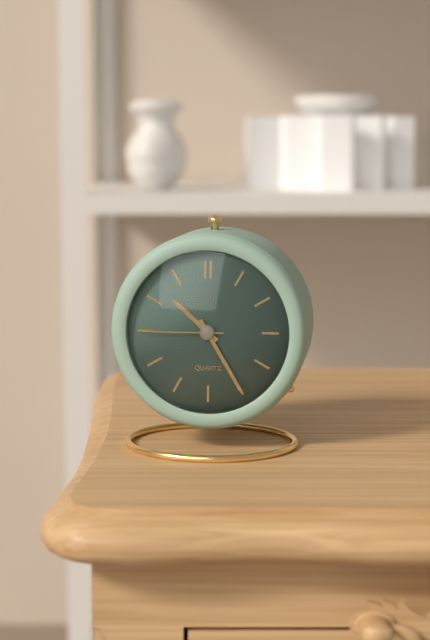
10h25m45s
